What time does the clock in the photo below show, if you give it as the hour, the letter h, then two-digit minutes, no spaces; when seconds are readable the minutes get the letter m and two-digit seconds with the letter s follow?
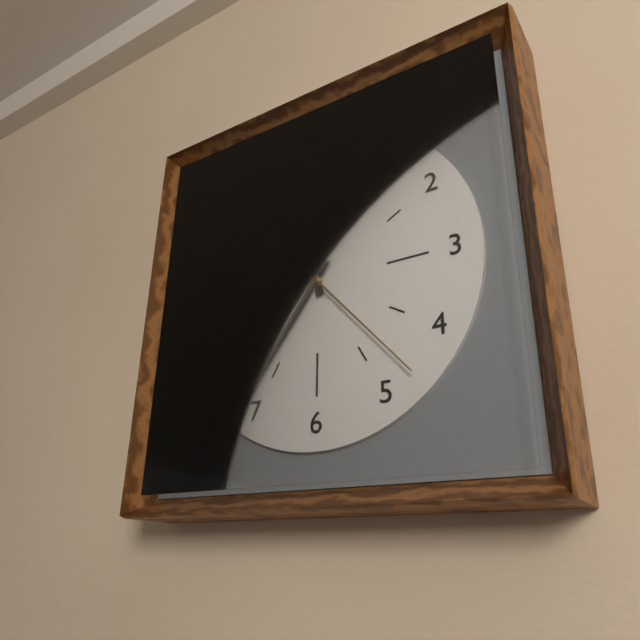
11h36m23s
